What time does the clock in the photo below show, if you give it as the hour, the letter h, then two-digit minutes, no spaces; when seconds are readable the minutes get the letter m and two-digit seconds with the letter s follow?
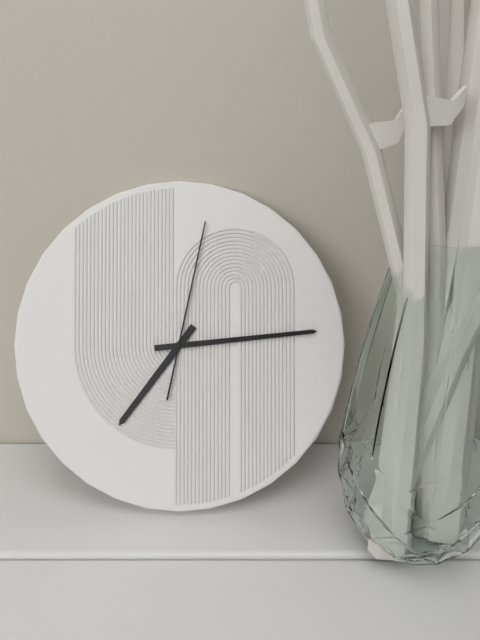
7h14m02s
